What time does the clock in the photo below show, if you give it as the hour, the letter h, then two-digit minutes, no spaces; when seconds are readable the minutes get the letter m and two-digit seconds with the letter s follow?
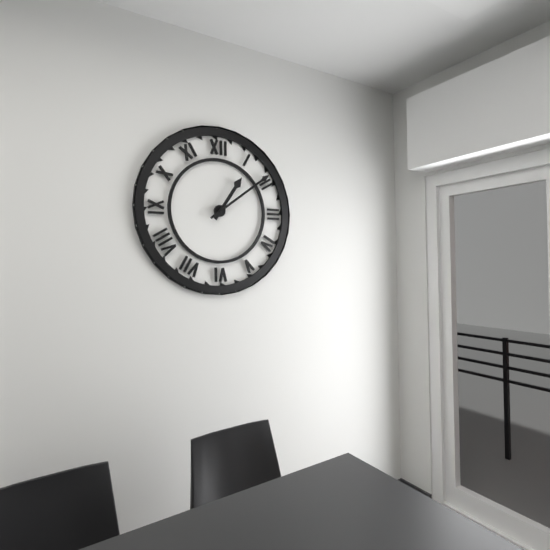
1h09
